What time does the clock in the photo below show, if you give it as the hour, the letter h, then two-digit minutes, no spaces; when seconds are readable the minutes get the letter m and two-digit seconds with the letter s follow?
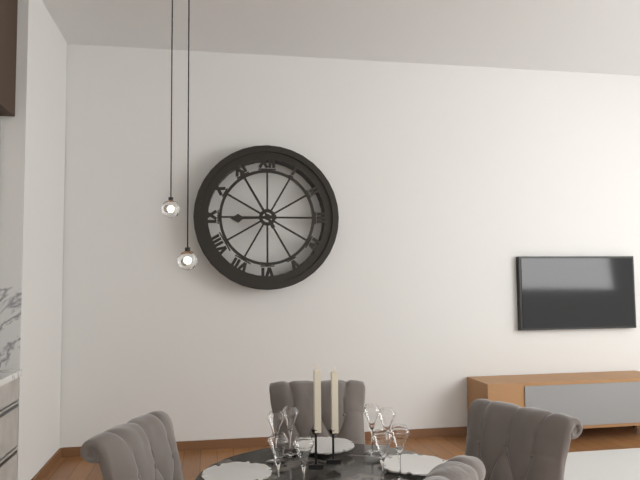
8h55
